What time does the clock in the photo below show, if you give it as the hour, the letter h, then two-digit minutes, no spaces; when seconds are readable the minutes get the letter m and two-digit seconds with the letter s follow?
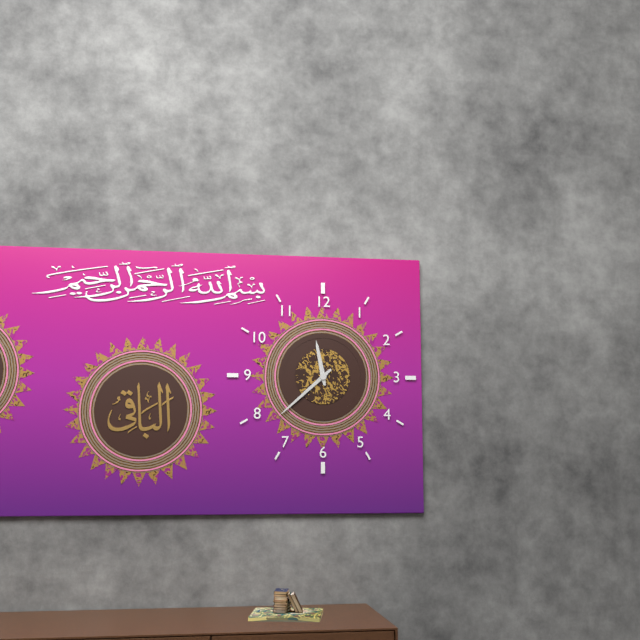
11h38
